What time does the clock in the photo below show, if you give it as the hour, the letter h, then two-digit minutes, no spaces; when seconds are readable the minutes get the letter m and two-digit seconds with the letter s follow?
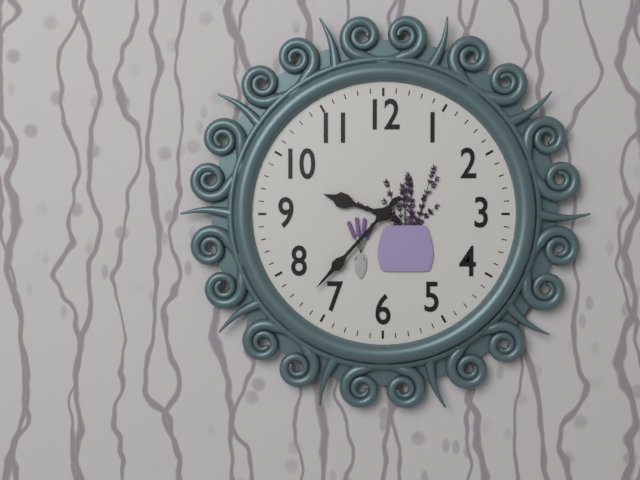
9h37
